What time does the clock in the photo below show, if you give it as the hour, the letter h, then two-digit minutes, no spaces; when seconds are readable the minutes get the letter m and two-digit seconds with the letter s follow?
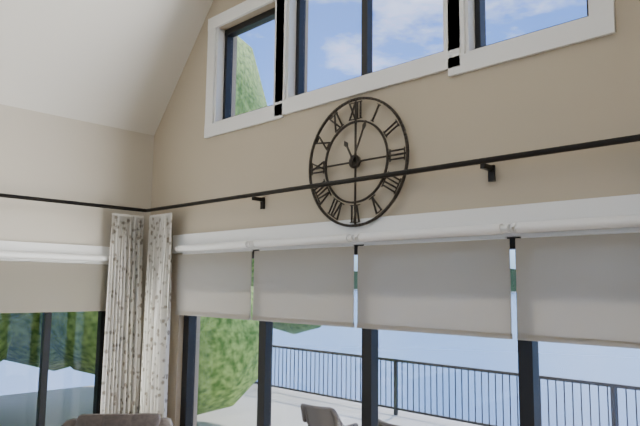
11h04
